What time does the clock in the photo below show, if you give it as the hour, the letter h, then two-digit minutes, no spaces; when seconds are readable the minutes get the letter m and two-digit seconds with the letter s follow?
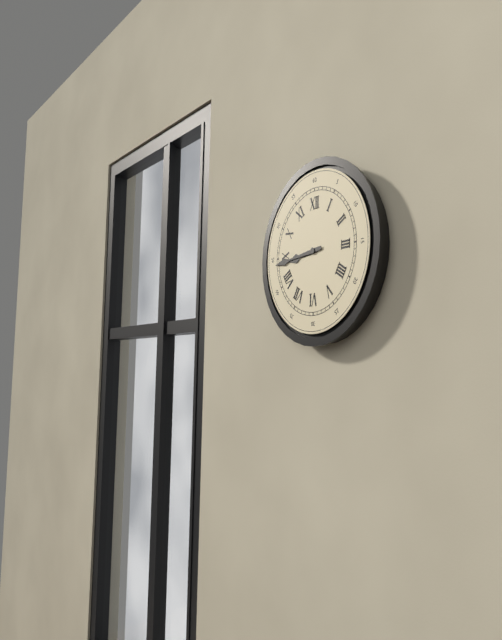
8h44
